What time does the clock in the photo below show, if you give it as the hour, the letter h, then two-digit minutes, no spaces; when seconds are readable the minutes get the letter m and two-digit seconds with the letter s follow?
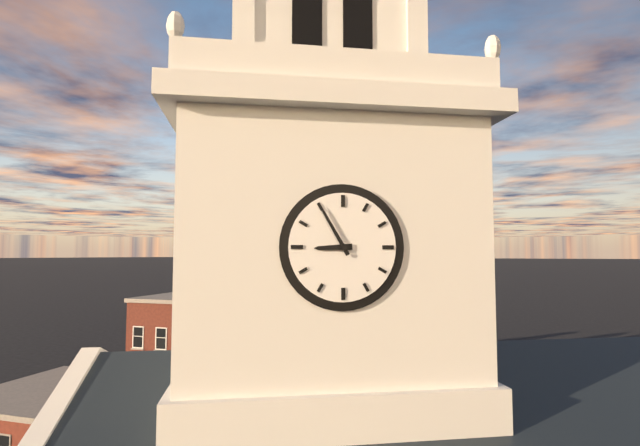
8h55
